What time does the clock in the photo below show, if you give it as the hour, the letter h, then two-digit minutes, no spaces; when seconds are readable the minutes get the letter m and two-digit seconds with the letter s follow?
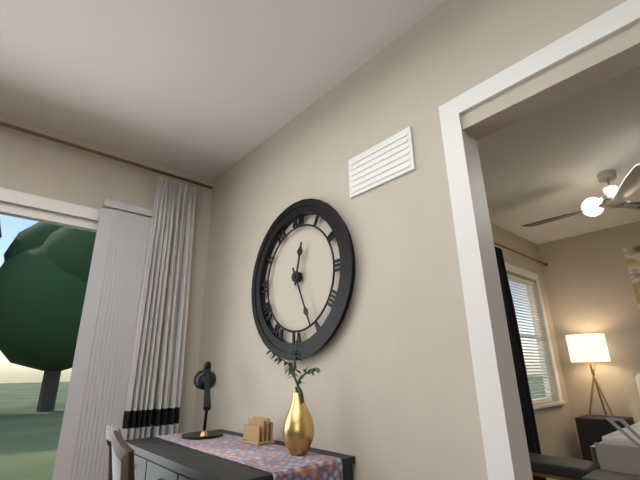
12h26
